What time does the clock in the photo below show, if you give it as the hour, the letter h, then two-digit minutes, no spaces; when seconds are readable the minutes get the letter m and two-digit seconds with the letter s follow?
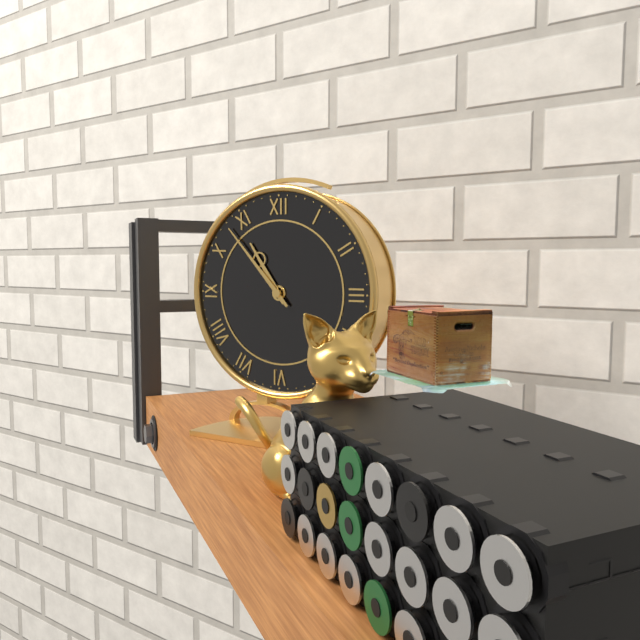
10h53
